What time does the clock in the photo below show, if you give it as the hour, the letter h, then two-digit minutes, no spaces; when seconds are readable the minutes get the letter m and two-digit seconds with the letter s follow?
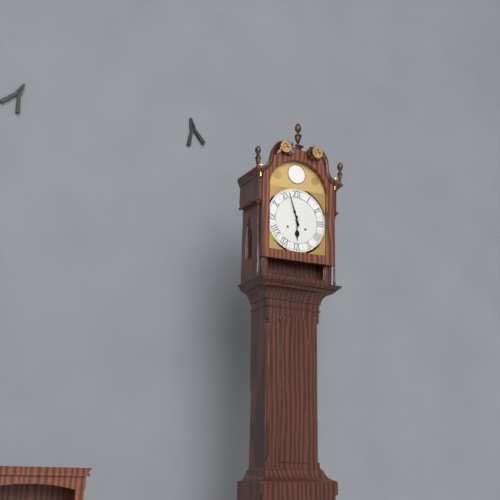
5h57
